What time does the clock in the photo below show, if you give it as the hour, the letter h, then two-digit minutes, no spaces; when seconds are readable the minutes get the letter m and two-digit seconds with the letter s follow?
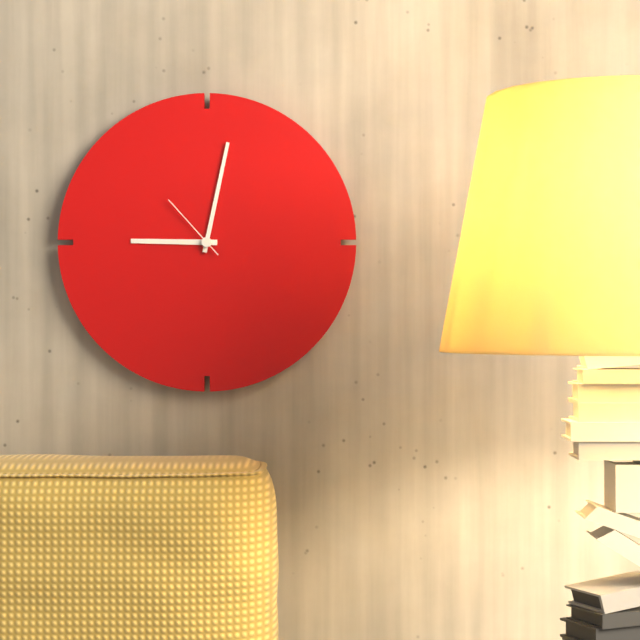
9h02m53s
